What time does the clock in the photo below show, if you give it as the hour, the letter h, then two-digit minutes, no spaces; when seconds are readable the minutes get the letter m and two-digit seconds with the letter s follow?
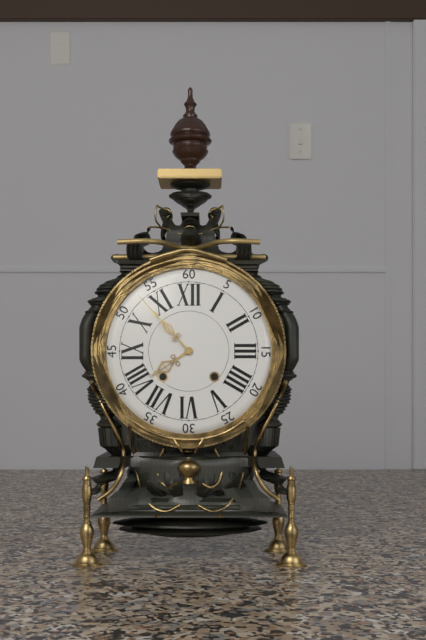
7h53
